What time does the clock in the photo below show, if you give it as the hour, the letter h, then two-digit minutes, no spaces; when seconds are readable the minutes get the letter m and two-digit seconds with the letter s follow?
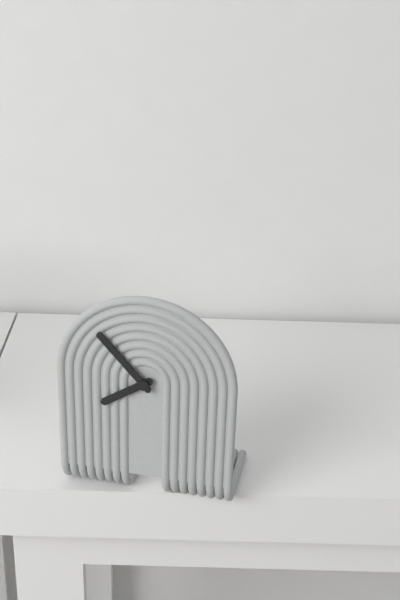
7h53
